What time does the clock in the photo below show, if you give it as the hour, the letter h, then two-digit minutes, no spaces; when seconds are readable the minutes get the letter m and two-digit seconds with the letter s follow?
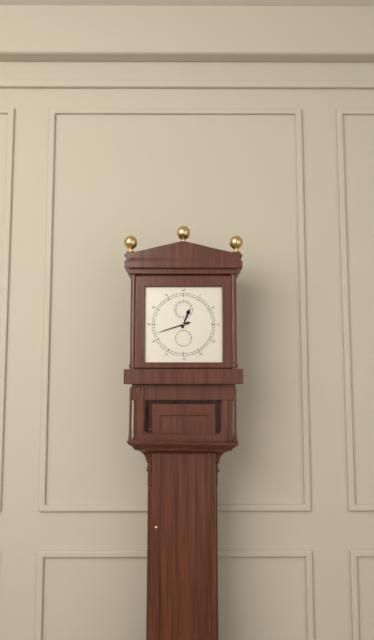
12h42
